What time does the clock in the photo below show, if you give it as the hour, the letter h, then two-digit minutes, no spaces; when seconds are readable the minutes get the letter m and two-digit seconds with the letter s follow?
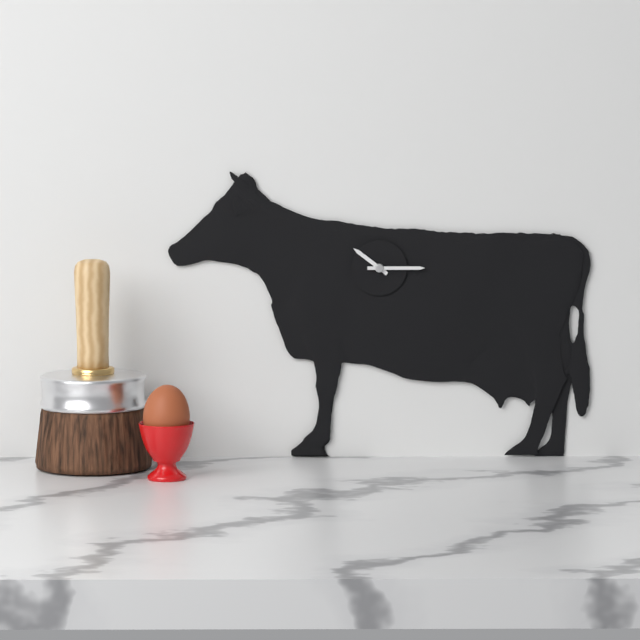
10h15
